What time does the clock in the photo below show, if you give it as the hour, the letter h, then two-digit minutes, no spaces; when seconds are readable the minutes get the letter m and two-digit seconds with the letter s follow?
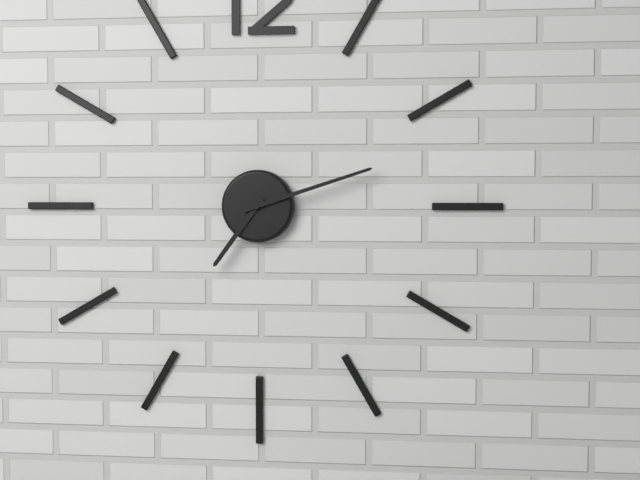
7h12
